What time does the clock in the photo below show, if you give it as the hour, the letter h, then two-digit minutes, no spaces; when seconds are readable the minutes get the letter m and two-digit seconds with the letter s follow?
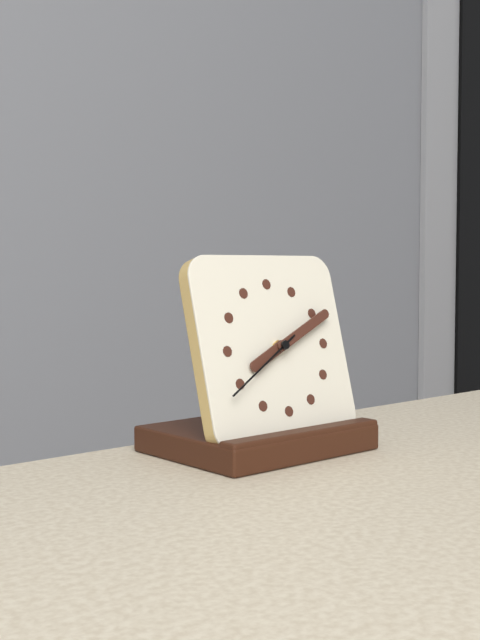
8h11m40s
